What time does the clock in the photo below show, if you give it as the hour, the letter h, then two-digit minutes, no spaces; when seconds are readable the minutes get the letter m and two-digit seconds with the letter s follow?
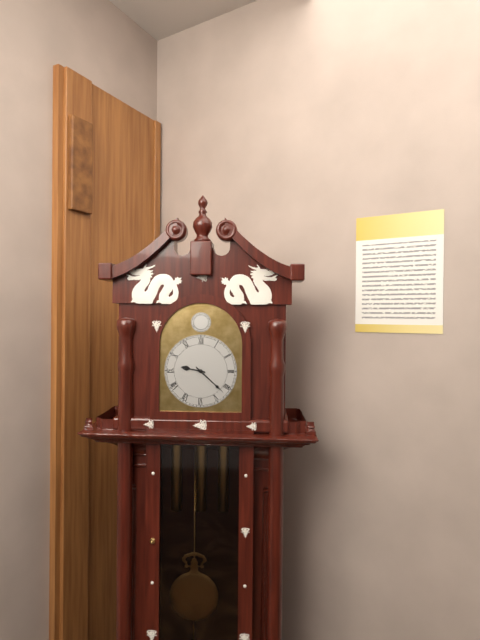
9h22
